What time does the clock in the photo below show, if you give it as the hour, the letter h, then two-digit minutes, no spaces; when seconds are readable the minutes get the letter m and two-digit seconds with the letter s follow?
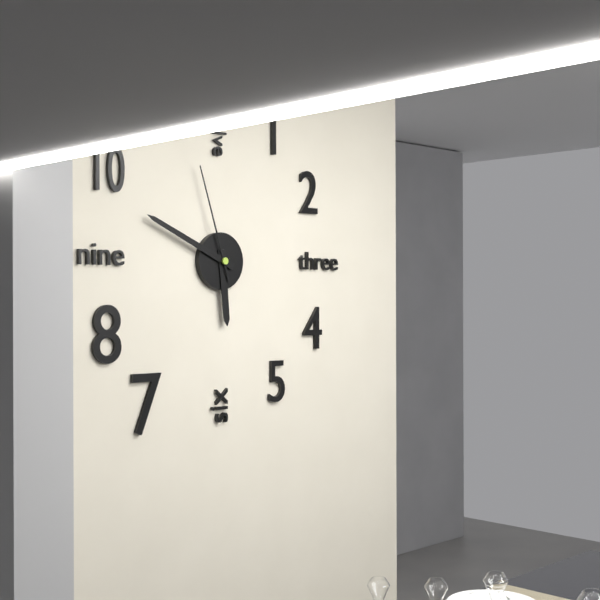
5h49m57s
